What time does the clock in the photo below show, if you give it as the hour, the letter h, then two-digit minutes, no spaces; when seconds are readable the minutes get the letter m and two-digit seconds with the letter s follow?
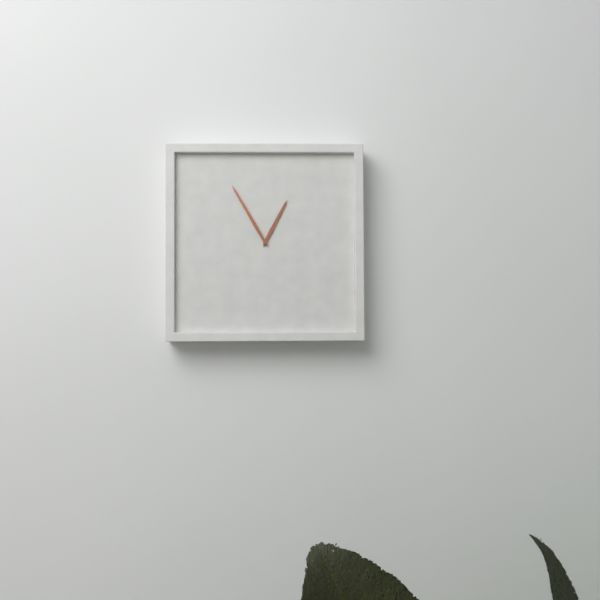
12h55
